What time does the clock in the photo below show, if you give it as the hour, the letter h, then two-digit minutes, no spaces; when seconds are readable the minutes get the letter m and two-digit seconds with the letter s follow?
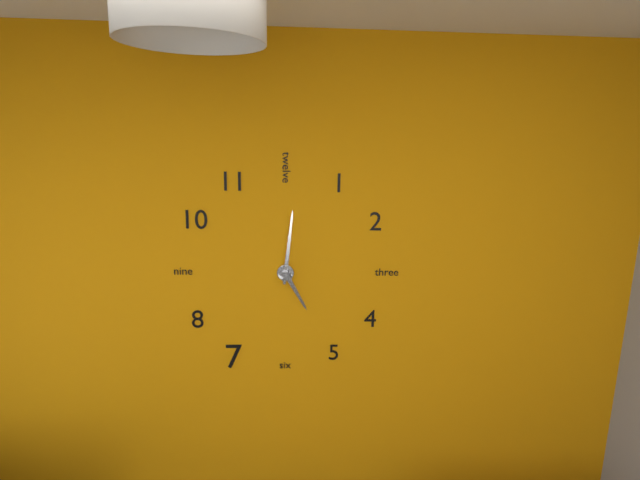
5h01
